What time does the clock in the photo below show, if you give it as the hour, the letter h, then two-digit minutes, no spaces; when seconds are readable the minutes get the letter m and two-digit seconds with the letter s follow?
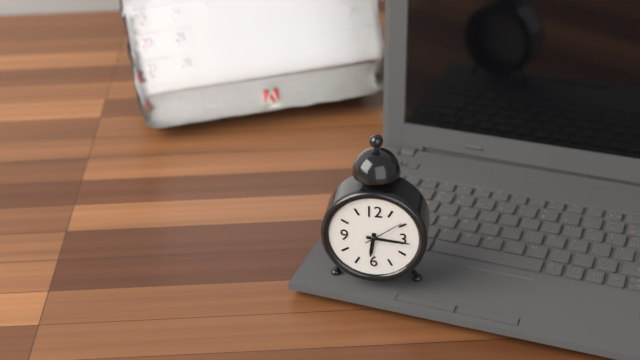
6h16
